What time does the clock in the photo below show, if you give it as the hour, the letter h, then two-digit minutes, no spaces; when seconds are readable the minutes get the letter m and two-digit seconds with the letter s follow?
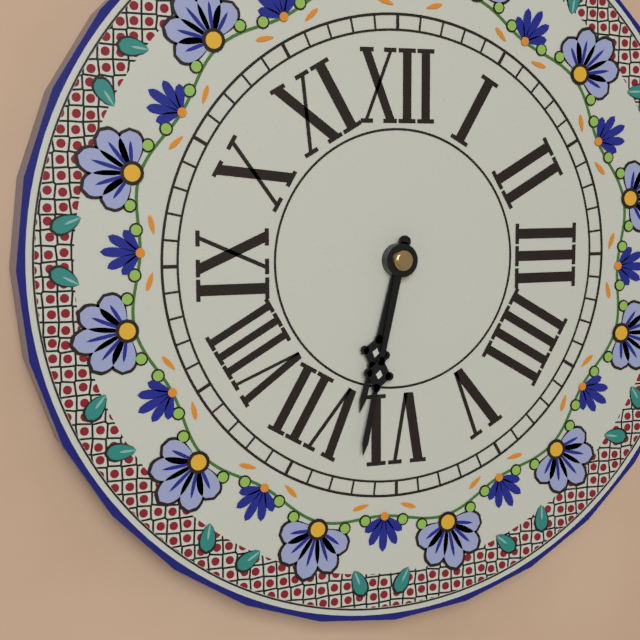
6h32
